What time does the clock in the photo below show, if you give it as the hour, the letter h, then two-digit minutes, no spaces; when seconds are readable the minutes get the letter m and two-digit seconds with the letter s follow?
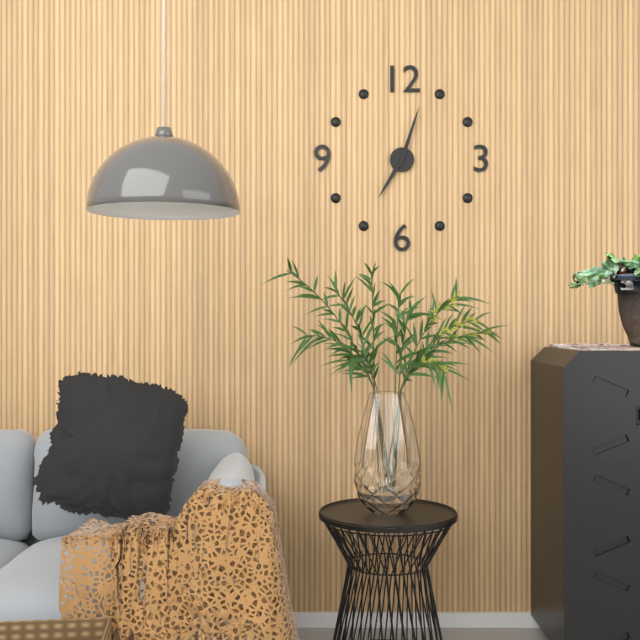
7h03
